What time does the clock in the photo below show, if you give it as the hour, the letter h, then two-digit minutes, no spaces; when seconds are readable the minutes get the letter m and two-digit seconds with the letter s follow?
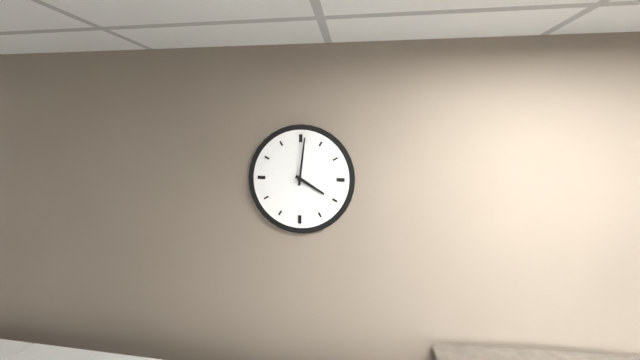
4h01
